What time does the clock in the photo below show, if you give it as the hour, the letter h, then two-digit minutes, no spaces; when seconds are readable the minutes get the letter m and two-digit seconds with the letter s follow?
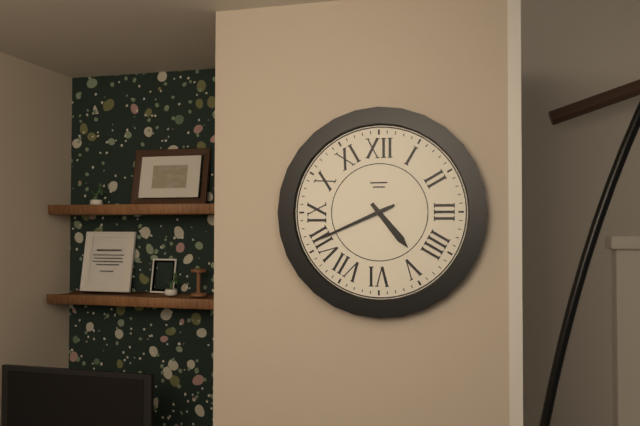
4h41
